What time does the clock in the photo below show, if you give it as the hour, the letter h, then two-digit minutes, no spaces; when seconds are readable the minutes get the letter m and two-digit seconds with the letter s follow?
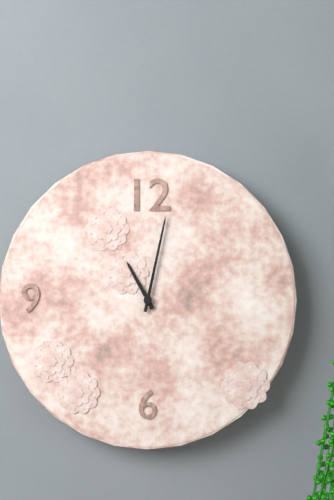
11h02
